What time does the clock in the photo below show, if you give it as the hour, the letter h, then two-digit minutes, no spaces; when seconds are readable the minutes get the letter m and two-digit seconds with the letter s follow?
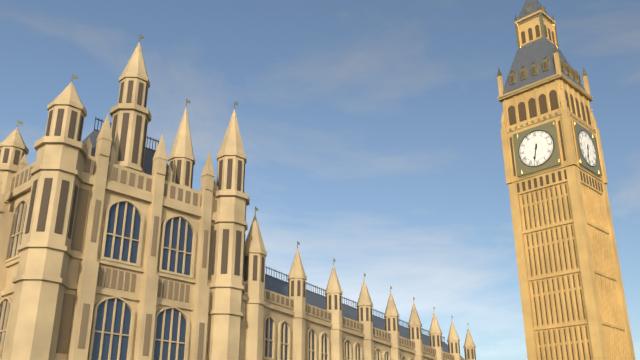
6h32
